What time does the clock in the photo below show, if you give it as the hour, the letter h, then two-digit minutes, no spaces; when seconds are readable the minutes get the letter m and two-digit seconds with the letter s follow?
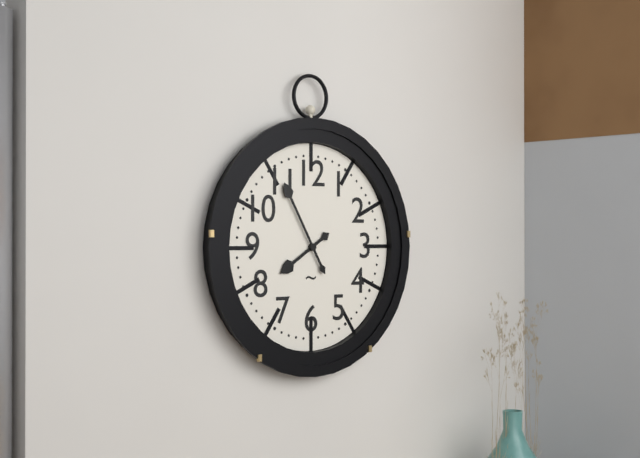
7h55
